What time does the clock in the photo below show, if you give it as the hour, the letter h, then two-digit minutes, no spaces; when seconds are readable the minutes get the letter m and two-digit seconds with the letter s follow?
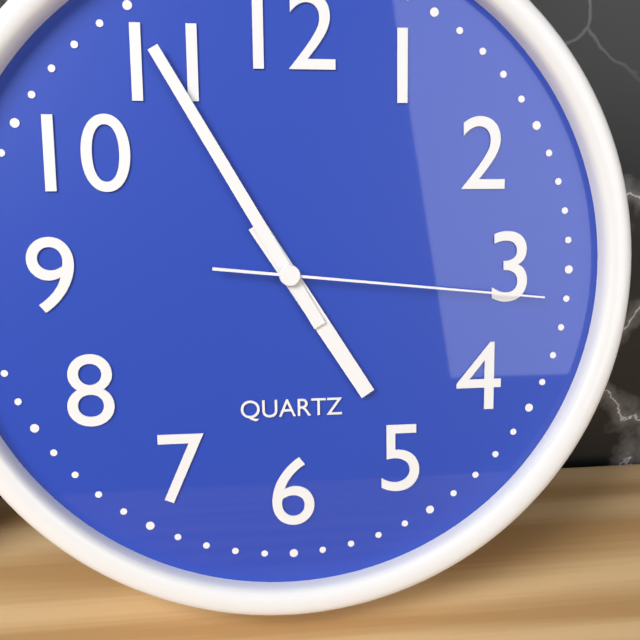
4h55m16s
